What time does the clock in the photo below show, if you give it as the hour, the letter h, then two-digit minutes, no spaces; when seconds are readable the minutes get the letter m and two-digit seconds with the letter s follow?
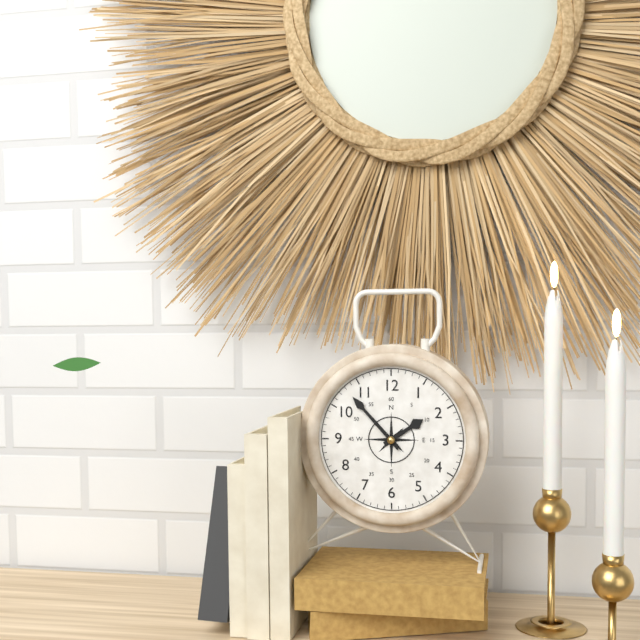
1h53
